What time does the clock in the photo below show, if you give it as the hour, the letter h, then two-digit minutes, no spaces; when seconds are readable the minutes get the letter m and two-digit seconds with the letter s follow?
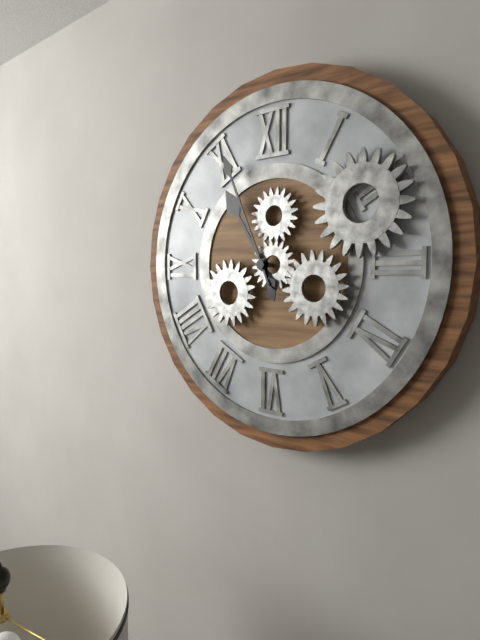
10h56
